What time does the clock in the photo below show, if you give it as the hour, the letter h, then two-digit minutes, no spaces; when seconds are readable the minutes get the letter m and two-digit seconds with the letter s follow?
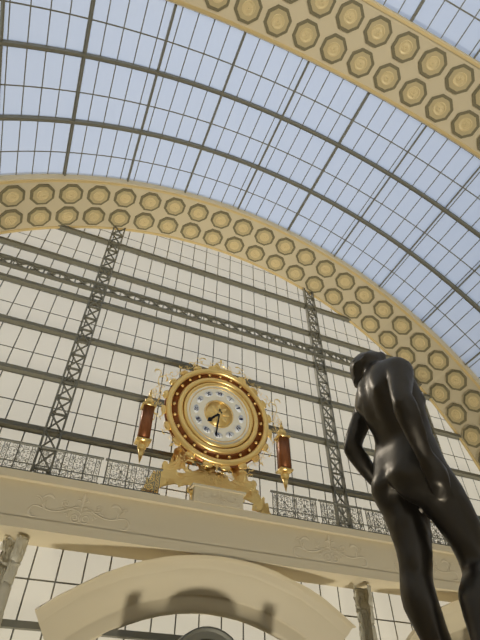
7h31
